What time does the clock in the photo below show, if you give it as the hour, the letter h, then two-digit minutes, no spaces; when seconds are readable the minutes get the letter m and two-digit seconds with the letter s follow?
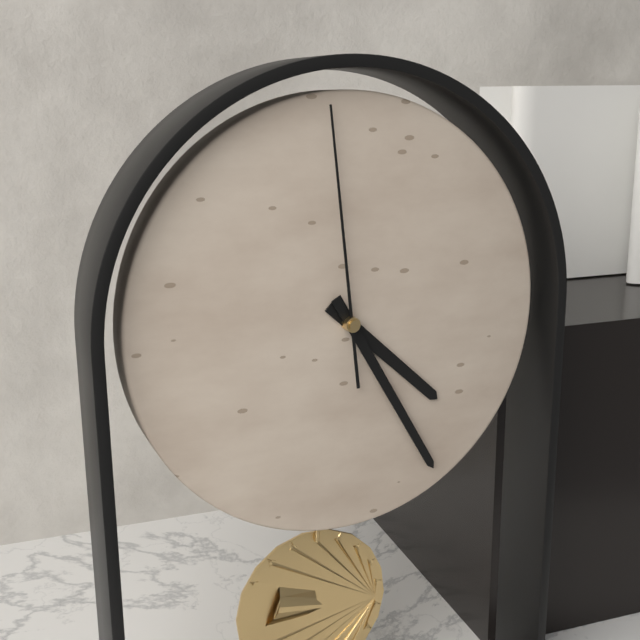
4h25m59s
